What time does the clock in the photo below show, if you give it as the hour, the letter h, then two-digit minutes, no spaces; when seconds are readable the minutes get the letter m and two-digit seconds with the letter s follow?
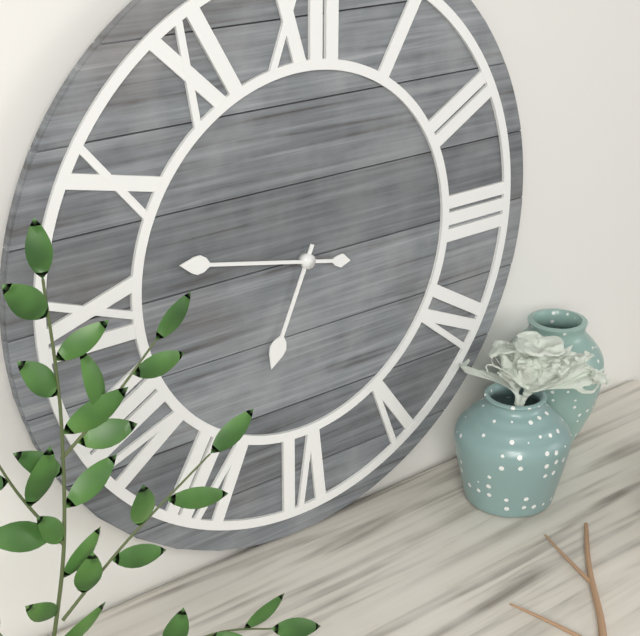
6h47
